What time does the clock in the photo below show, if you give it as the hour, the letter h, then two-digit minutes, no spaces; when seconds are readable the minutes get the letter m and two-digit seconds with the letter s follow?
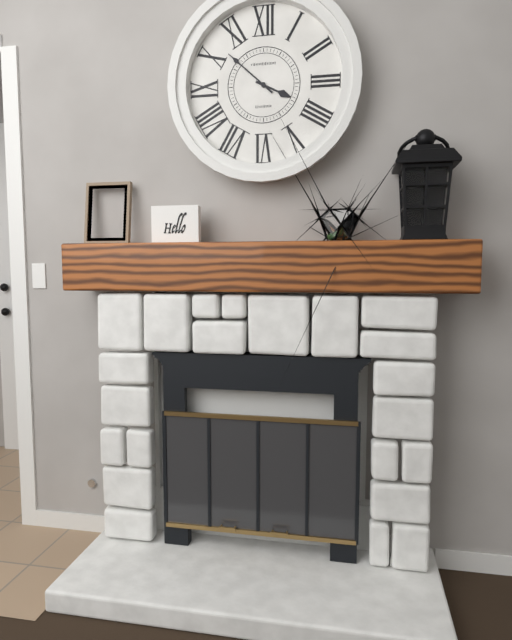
3h52
